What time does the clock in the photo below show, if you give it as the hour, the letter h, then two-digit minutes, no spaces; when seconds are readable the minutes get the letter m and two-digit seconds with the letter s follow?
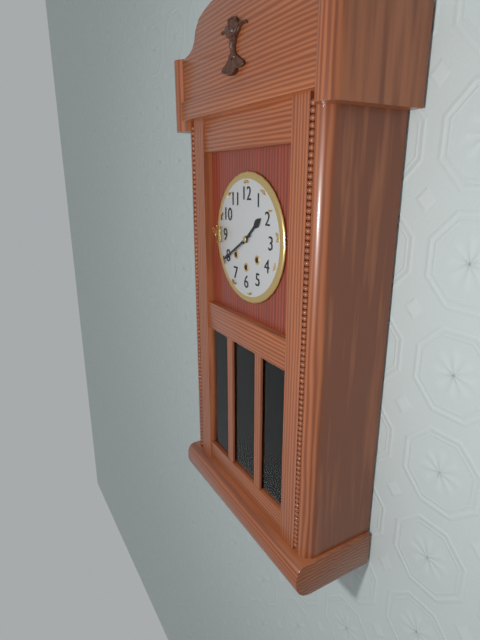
1h40
